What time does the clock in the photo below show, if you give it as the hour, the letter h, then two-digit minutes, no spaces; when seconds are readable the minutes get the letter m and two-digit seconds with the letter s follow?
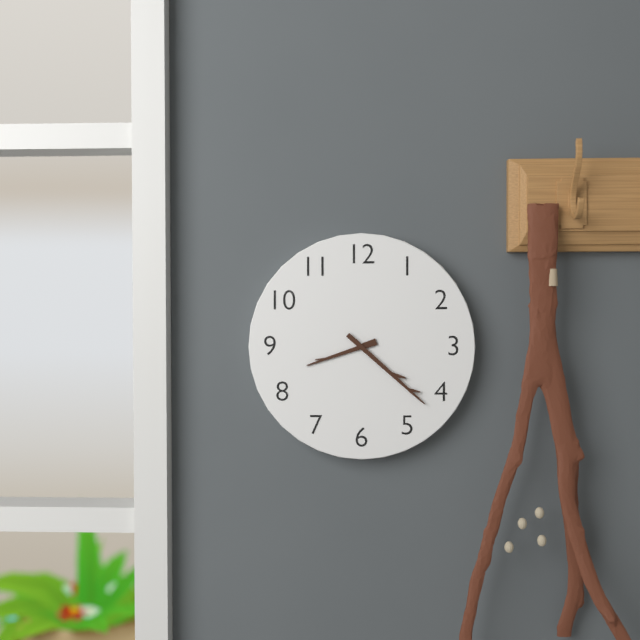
8h22
